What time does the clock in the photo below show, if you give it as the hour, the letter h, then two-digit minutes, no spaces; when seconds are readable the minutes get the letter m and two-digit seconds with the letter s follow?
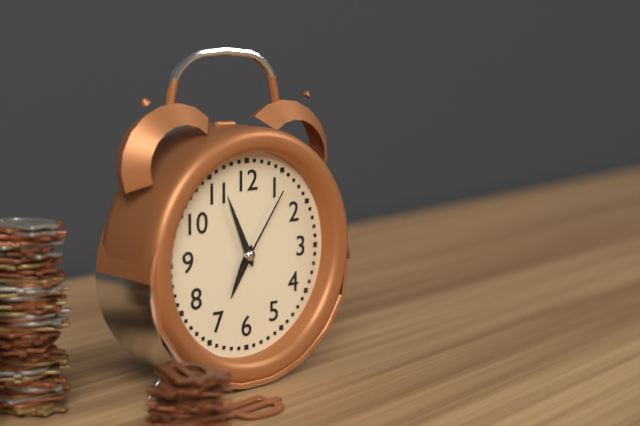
6h56m06s
